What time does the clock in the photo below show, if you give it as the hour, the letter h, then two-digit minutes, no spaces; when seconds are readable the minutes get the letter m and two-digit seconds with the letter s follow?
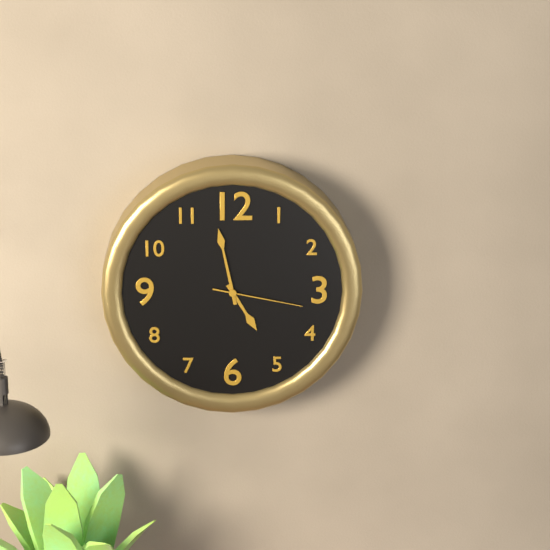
4h58m17s
